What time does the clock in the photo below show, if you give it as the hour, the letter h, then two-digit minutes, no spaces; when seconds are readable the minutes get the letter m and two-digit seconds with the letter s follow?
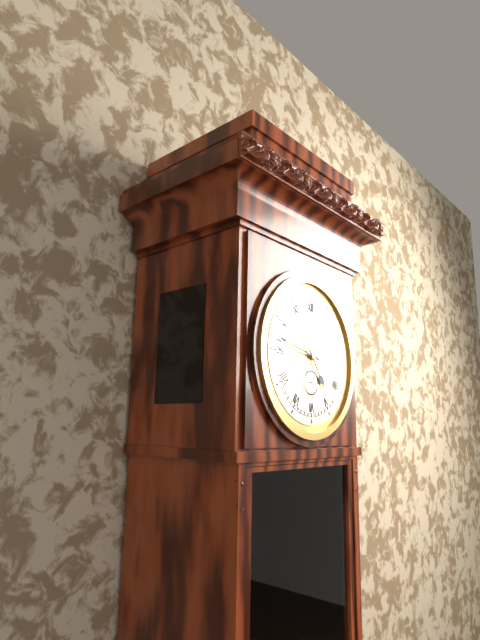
4h47
